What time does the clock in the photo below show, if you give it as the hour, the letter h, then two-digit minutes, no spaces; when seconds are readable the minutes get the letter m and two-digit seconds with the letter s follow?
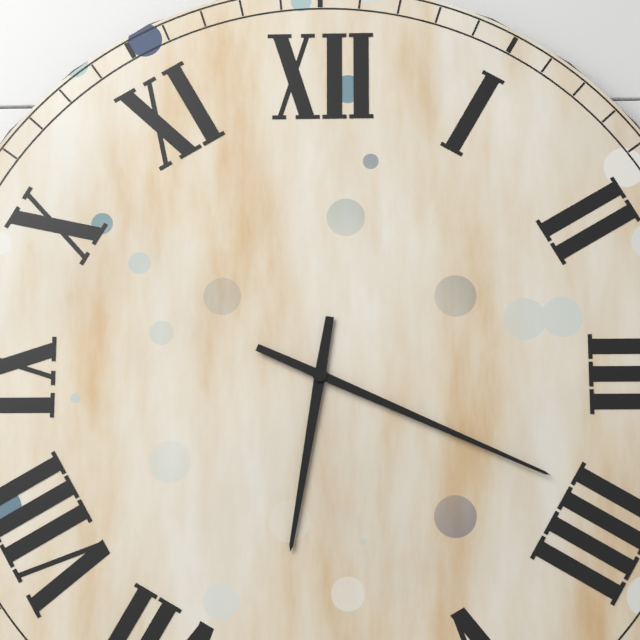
6h19
